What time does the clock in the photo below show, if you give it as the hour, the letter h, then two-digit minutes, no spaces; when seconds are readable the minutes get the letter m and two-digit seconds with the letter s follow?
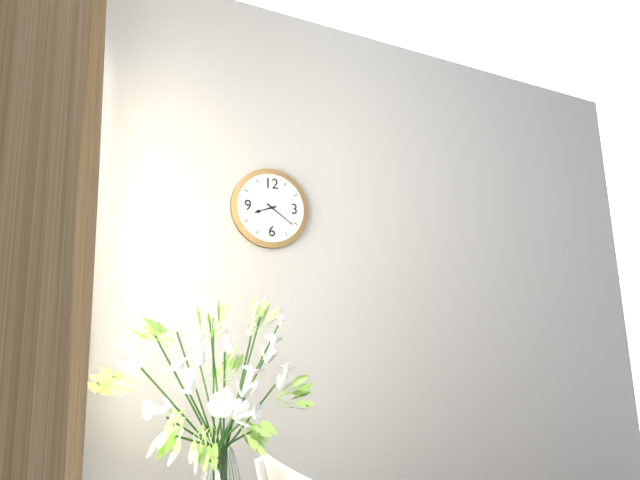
8h21
